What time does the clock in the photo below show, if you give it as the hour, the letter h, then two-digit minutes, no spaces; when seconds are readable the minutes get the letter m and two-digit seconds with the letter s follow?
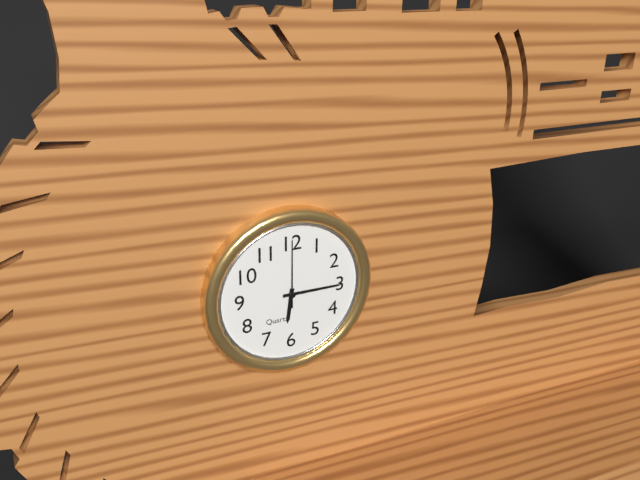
6h15m00s
